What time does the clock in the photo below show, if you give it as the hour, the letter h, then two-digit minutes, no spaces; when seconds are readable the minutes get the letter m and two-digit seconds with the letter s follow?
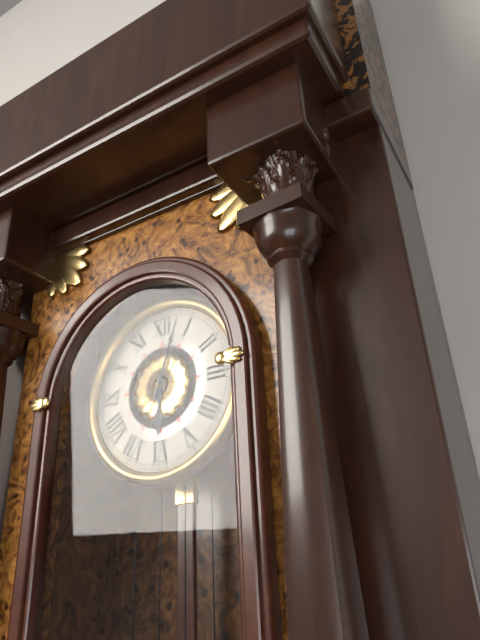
6h03
